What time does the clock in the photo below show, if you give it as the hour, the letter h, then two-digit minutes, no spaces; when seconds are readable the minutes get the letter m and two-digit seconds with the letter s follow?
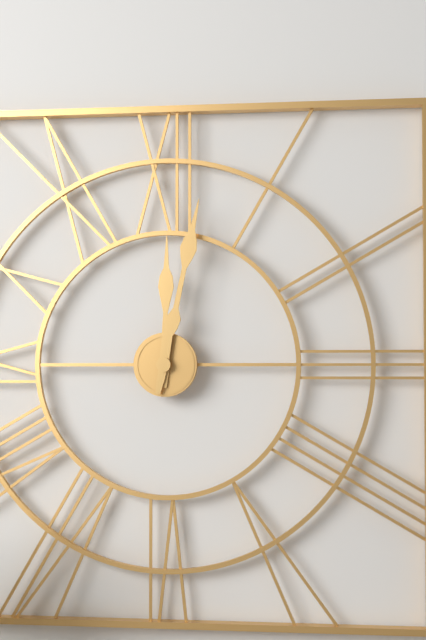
12h02
